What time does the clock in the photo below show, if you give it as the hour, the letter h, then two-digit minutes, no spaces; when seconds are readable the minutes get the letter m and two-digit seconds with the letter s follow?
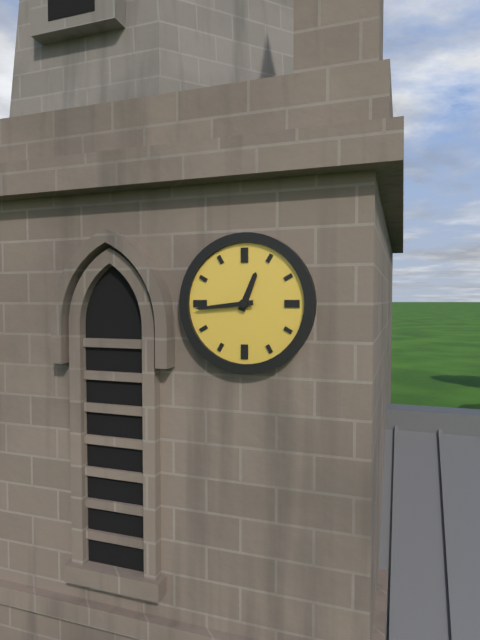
12h44
